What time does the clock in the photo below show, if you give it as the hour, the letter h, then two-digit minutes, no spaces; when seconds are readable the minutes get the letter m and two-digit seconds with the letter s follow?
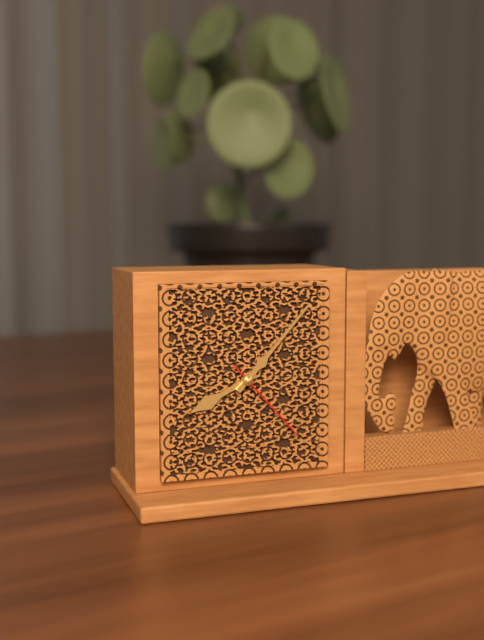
8h07m23s
